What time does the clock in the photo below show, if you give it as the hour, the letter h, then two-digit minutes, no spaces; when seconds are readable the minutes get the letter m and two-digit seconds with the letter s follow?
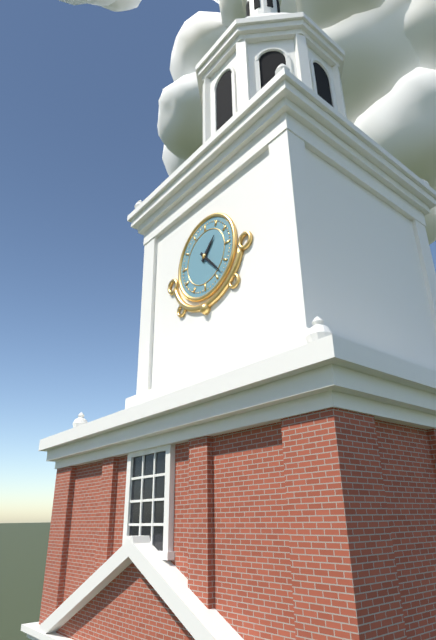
1h23
